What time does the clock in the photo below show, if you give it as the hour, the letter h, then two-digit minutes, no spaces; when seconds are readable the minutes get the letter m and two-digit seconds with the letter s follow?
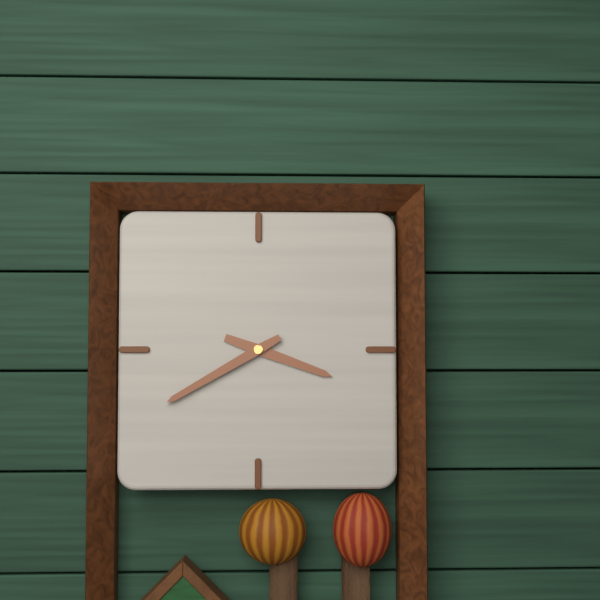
3h40
